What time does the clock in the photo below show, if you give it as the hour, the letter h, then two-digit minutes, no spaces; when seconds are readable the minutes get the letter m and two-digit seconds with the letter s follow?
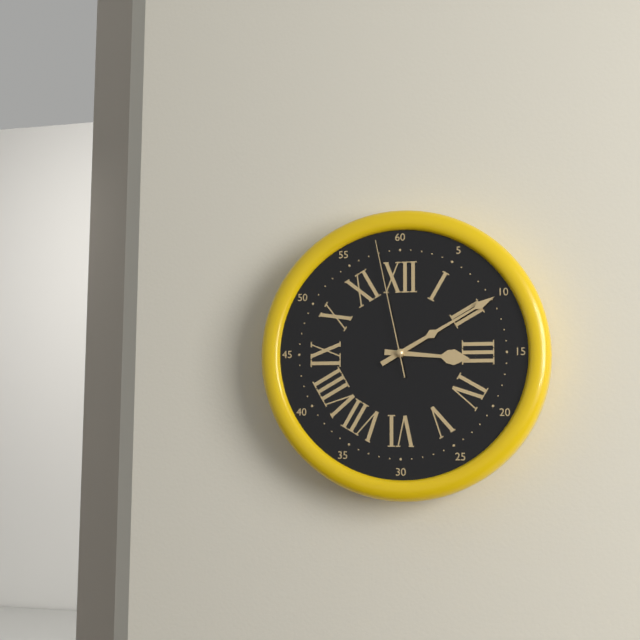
3h10m58s
